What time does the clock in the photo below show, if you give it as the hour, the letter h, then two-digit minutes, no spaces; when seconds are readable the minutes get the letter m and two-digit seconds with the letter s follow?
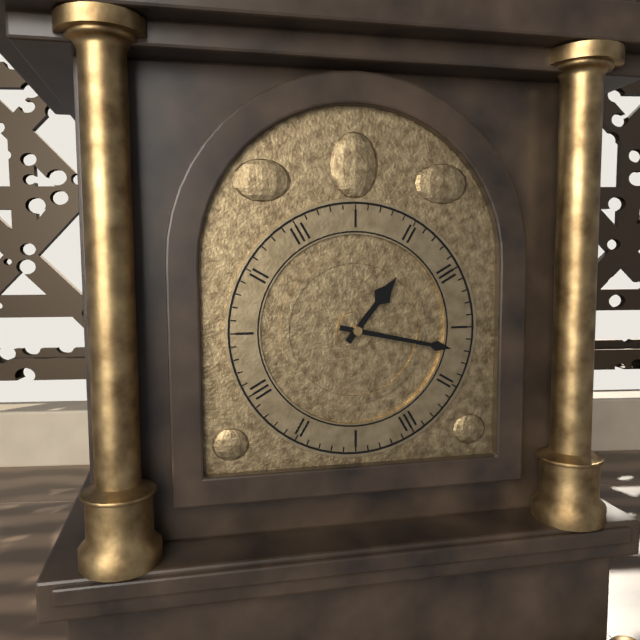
1h17
